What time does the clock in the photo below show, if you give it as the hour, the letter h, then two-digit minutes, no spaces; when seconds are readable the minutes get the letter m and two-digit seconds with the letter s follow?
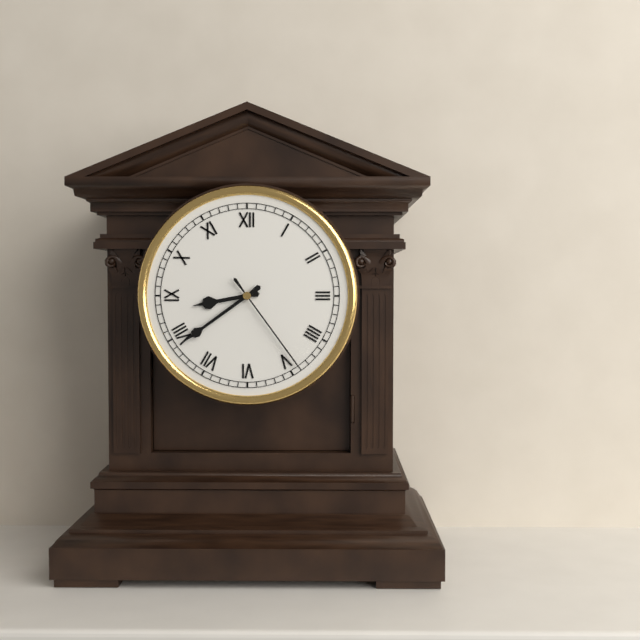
8h39m24s
